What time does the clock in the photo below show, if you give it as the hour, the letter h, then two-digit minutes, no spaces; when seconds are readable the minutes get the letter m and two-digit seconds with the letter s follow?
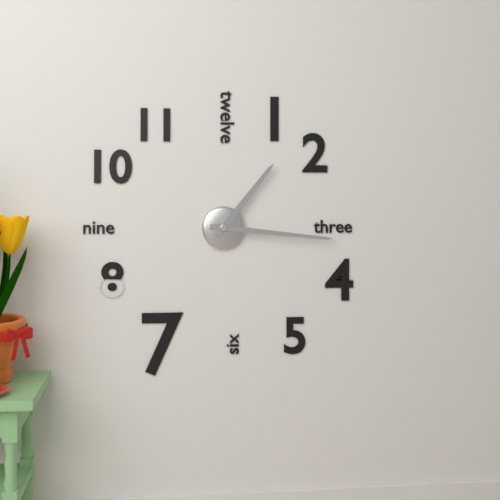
1h16
